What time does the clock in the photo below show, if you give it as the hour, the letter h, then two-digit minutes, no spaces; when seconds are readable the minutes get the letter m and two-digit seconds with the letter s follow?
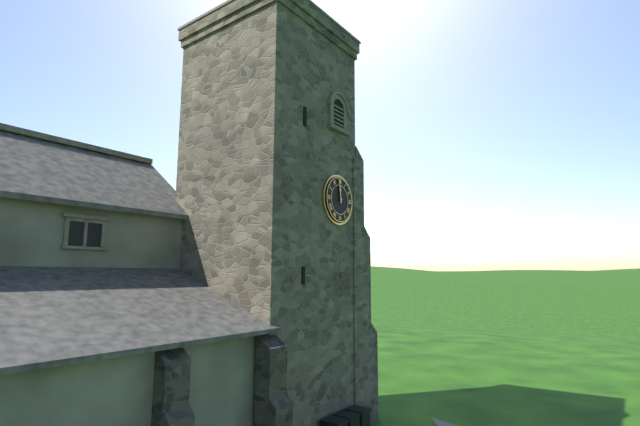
11h59
